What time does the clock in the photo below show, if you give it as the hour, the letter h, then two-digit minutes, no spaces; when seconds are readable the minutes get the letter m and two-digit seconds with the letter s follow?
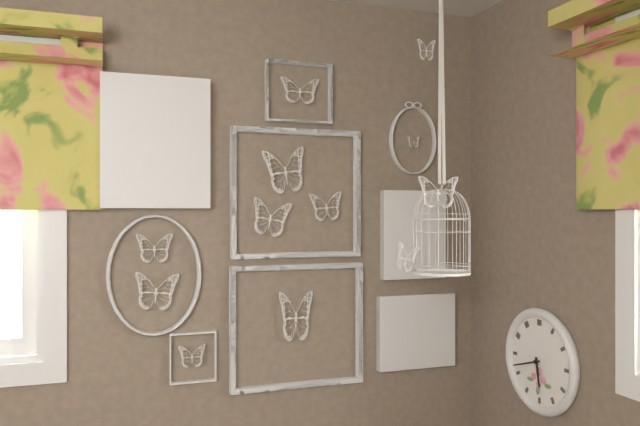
5h42
